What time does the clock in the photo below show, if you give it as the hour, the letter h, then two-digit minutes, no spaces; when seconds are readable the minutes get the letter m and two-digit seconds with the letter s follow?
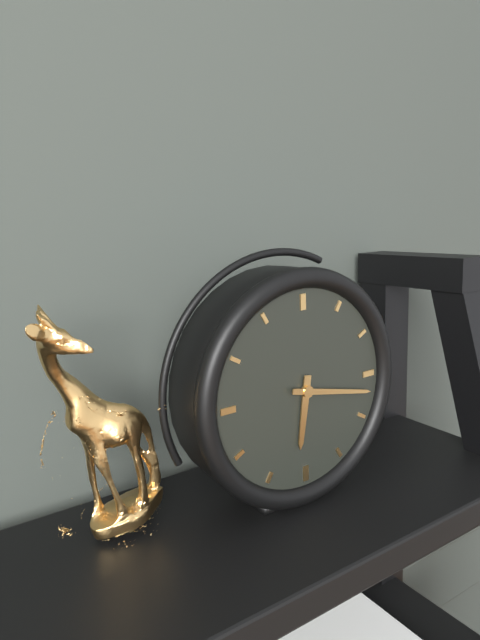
6h17
